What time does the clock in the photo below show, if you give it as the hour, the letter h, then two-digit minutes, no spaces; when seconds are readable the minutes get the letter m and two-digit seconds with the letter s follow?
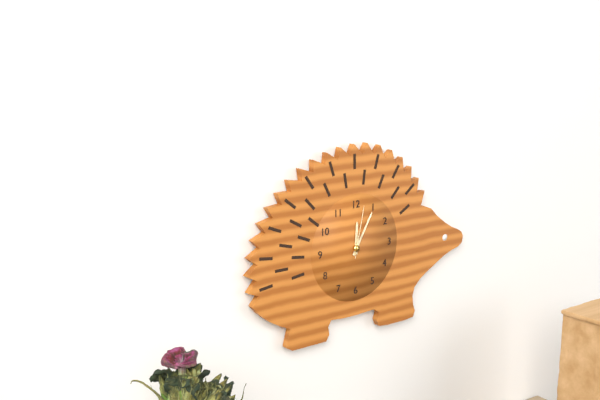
12h05m02s
